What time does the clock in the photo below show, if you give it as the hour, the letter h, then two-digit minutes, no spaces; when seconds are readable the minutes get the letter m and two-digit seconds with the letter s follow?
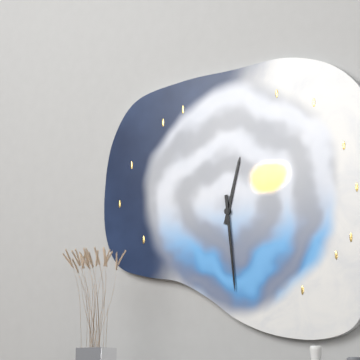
12h29
